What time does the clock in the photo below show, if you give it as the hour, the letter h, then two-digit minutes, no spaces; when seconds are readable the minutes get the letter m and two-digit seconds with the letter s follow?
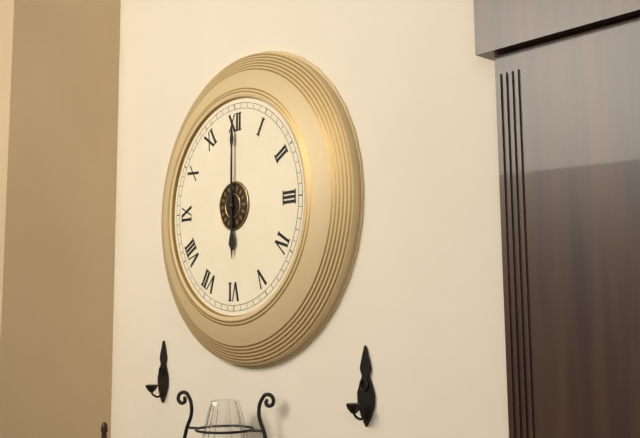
6h00
